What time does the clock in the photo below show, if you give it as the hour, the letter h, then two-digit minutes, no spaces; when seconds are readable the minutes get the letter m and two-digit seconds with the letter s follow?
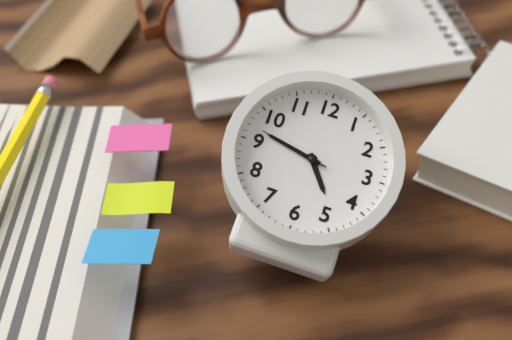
4h47m47s
